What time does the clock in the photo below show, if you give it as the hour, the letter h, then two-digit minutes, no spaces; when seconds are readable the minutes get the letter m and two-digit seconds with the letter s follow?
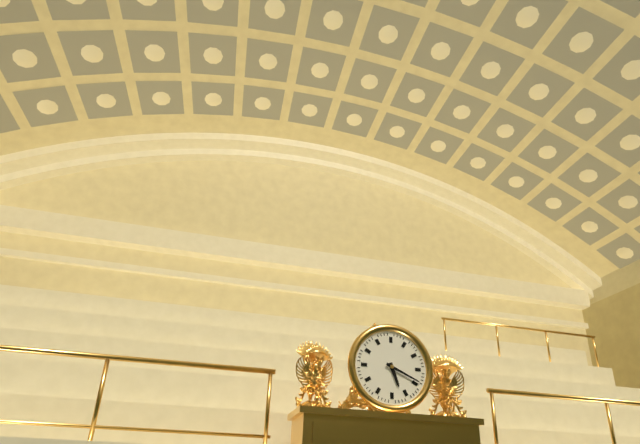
5h19
